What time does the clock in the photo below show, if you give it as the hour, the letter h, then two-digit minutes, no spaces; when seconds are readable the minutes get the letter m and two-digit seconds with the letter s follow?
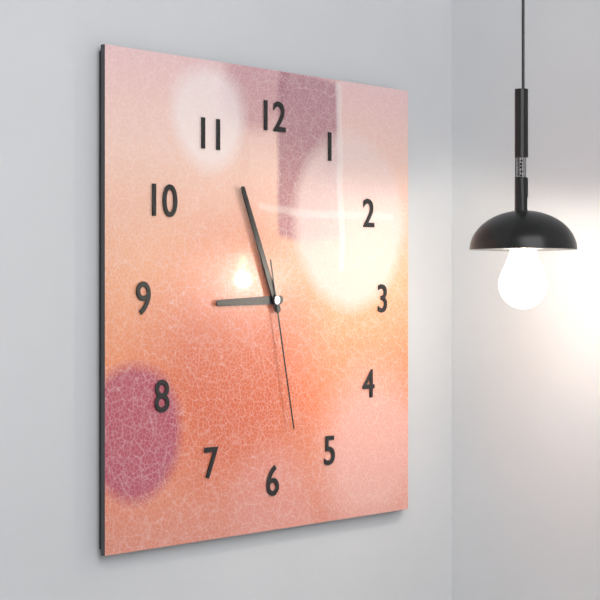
8h56m28s
